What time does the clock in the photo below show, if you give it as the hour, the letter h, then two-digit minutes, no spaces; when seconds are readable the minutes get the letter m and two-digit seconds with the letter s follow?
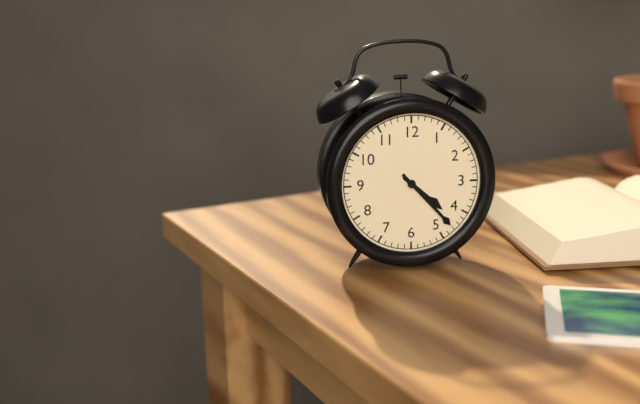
4h23
